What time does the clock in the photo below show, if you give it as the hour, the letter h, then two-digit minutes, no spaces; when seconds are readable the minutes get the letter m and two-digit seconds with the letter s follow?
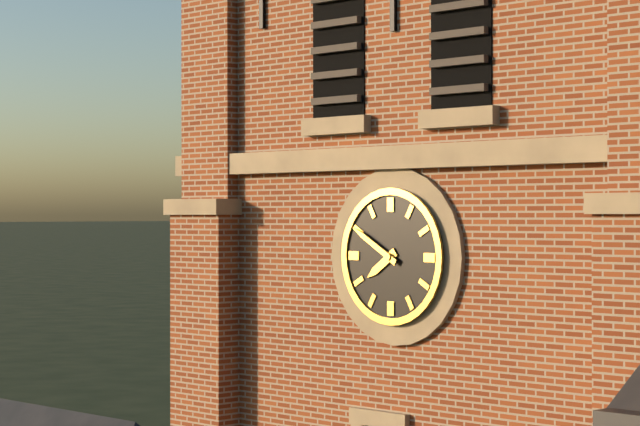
7h50
